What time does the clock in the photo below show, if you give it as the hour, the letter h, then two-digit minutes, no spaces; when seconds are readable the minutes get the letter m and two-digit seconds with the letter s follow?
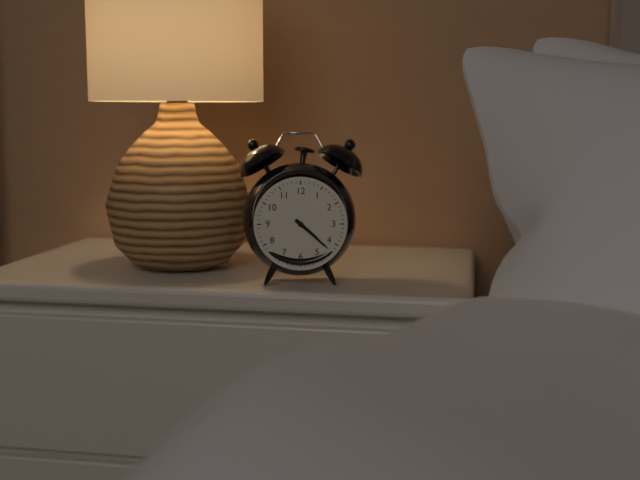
4h22
